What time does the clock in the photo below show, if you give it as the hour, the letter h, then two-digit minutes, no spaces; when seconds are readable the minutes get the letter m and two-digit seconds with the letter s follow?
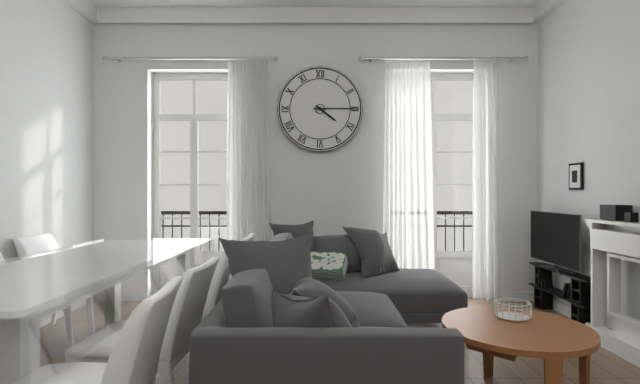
4h15
